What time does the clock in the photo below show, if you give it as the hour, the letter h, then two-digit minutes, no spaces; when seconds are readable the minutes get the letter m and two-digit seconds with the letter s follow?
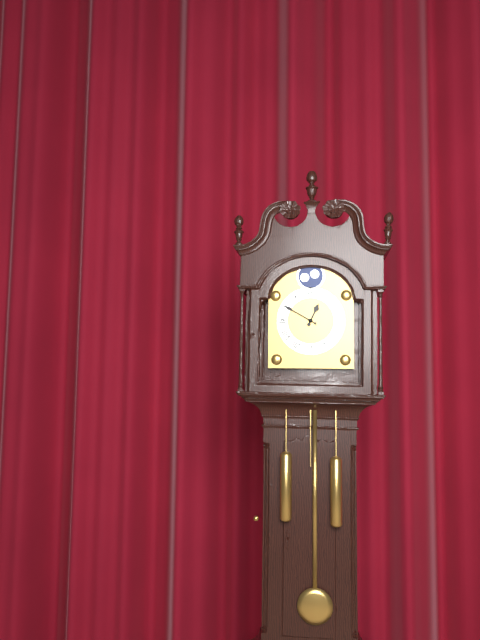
12h50
